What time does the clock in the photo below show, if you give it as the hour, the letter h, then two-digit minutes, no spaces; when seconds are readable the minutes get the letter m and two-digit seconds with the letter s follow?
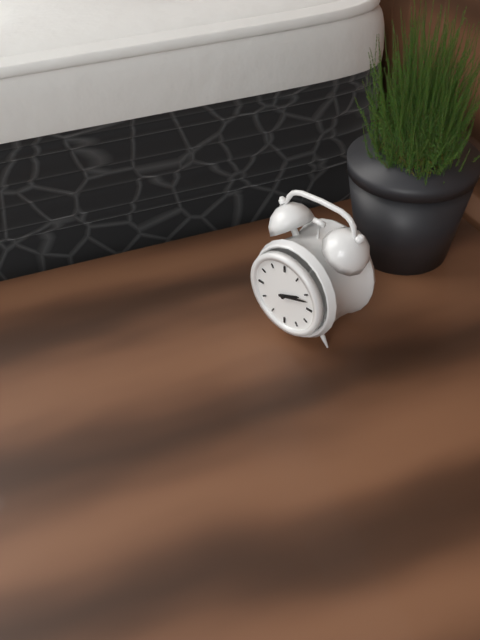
2h12
